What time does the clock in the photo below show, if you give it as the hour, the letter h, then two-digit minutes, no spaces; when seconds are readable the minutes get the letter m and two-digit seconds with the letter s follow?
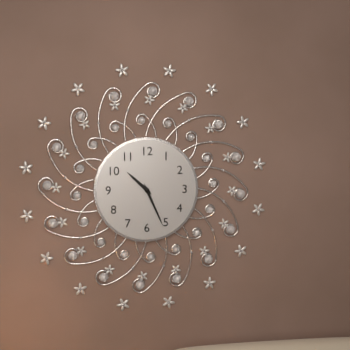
10h26
